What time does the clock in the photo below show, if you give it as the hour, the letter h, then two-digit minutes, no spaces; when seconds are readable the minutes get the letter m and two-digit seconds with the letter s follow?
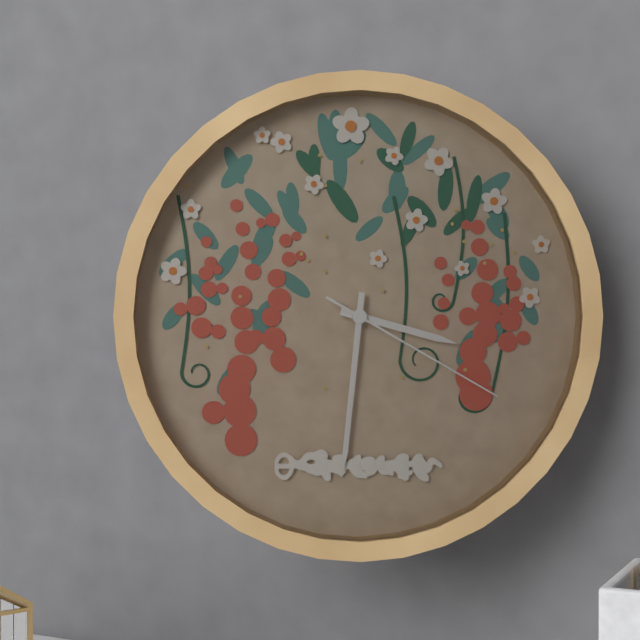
3h31m20s
